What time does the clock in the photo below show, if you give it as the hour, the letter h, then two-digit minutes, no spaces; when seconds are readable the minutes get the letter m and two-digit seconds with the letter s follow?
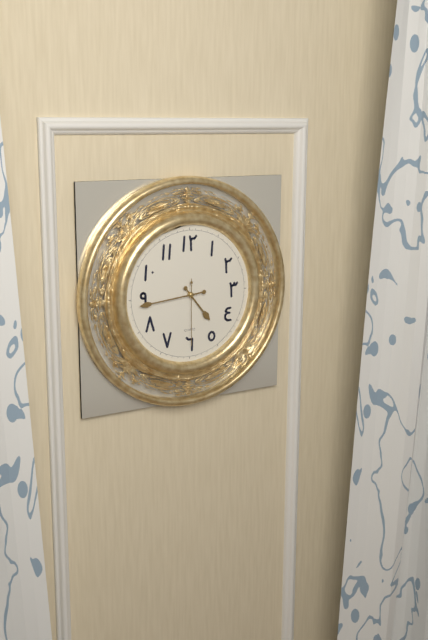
4h44m30s
